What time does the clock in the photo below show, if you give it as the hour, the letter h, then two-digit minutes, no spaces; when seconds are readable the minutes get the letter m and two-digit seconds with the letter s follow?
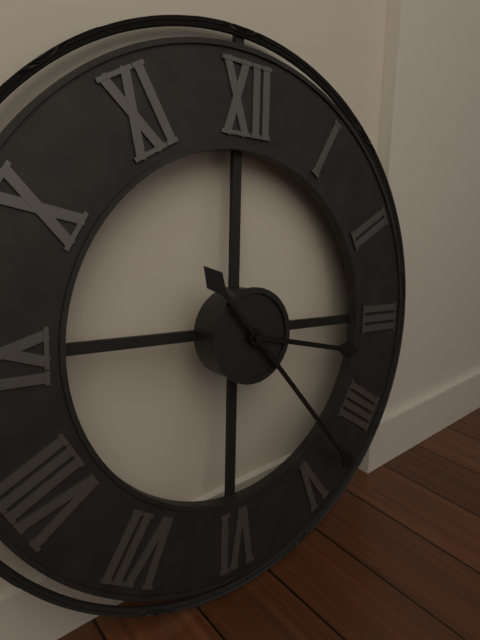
3h23
